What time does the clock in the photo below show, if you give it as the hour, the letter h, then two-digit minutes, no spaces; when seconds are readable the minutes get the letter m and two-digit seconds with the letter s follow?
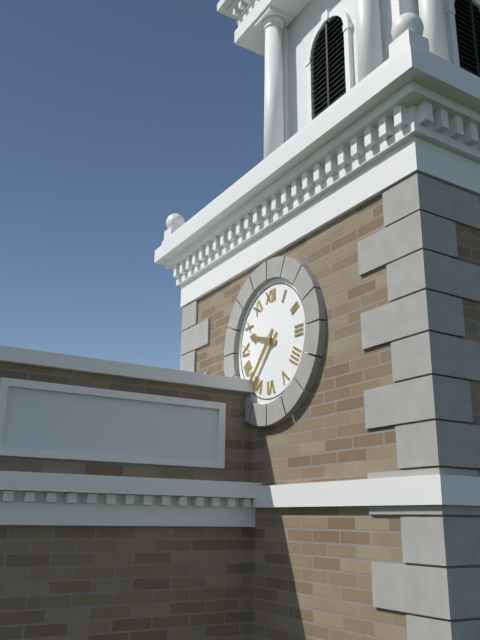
9h37
